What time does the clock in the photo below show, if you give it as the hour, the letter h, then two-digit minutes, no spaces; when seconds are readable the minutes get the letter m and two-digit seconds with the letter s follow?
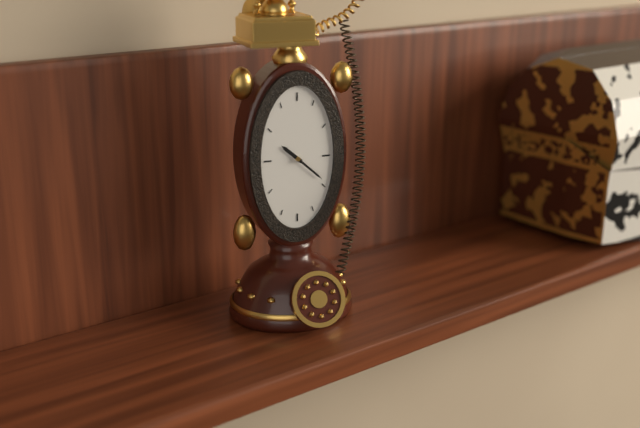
10h22
